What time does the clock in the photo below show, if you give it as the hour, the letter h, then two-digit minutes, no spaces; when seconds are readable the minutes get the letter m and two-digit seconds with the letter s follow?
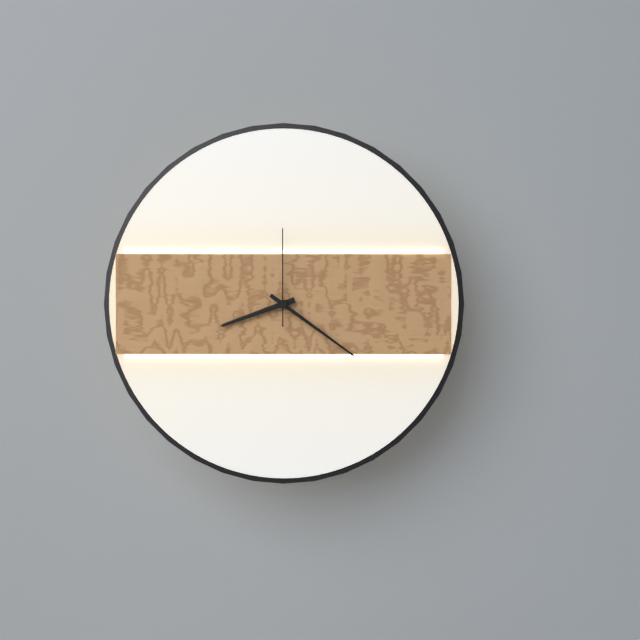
8h21m00s
